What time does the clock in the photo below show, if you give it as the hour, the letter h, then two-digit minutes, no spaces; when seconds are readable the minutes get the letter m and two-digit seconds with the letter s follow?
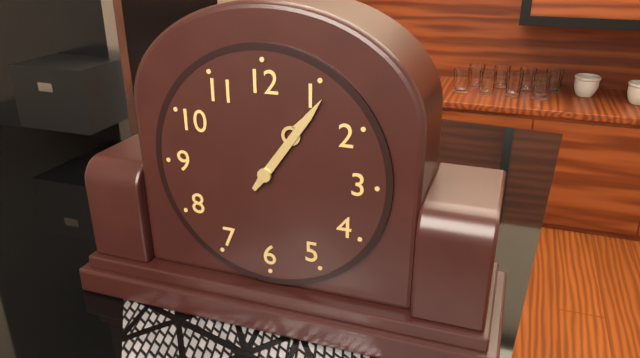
1h06
